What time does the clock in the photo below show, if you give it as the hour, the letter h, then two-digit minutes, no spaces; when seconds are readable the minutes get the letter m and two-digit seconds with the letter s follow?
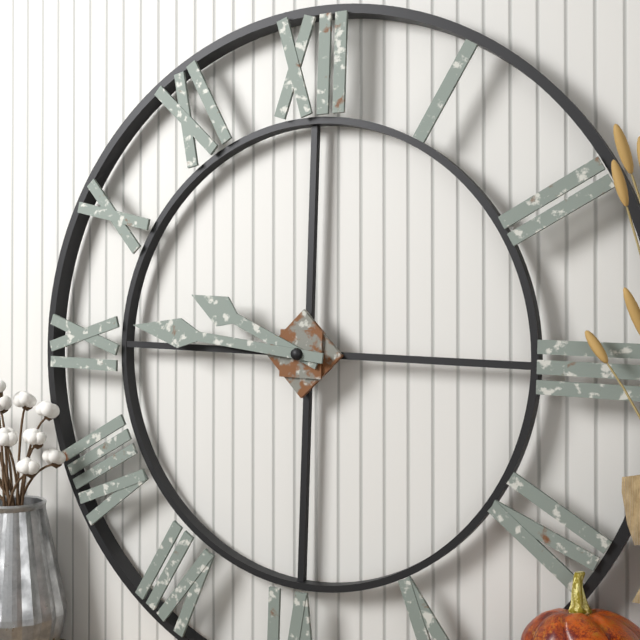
9h46
